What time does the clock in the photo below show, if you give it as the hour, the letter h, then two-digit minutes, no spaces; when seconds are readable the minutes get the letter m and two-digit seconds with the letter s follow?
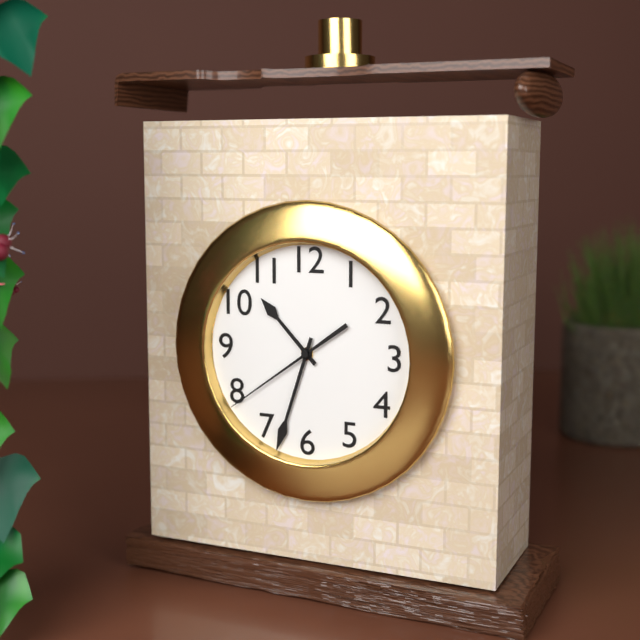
10h33m39s
